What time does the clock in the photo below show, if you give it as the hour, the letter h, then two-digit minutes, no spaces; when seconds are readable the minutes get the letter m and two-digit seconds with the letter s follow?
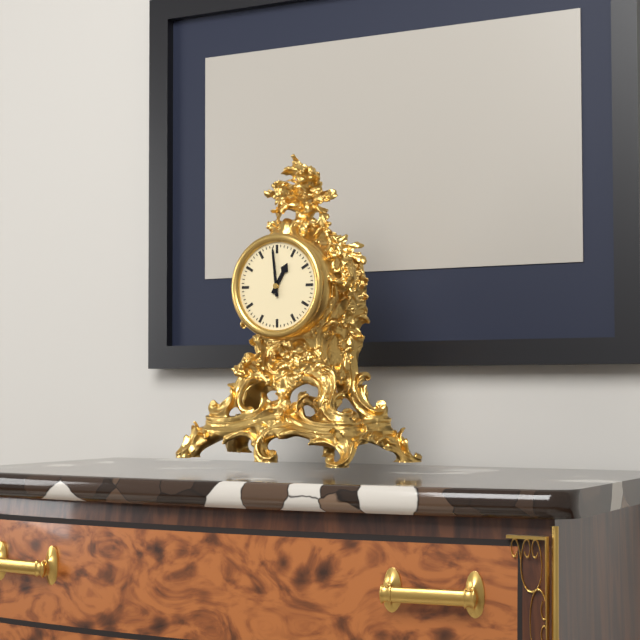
12h59
